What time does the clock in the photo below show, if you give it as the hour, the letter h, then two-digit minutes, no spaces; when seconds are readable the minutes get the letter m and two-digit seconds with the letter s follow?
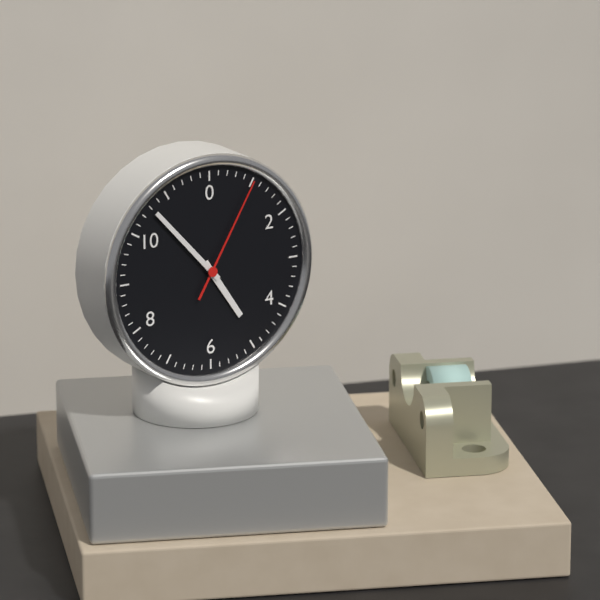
4h53m05s
